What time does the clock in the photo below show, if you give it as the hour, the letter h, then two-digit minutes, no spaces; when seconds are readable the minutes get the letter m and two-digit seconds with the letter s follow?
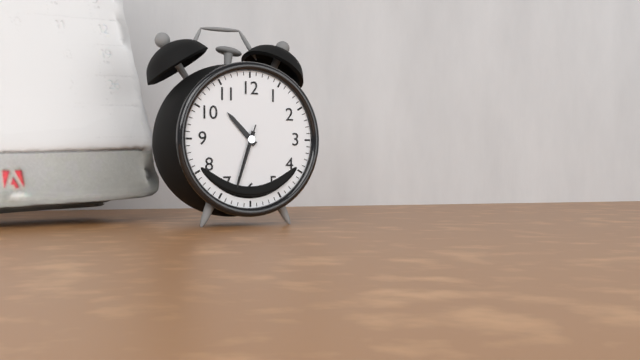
10h33m33s
